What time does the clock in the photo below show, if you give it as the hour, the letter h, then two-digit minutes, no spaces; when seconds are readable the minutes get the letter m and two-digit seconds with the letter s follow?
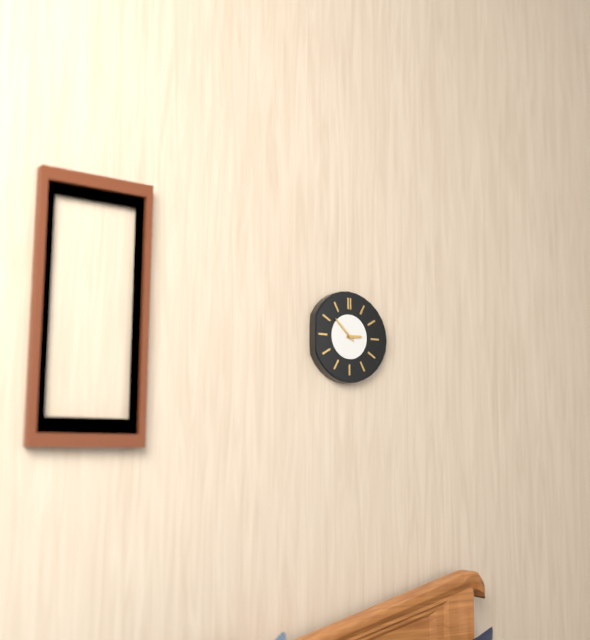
2h52
